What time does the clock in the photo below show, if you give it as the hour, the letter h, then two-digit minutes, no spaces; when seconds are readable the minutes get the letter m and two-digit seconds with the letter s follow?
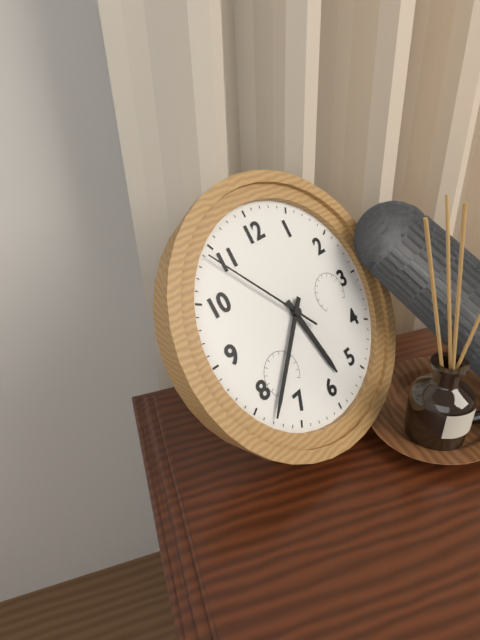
5h38m54s
